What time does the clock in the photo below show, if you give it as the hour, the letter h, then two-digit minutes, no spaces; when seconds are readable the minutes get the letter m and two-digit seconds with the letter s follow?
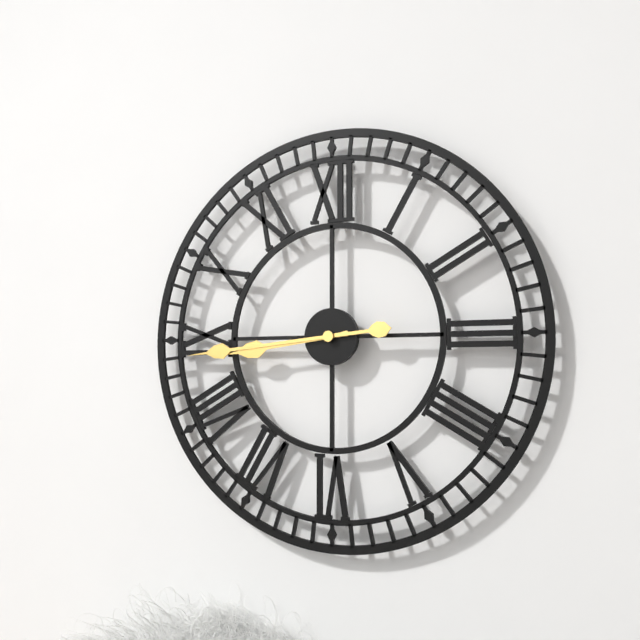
8h44
